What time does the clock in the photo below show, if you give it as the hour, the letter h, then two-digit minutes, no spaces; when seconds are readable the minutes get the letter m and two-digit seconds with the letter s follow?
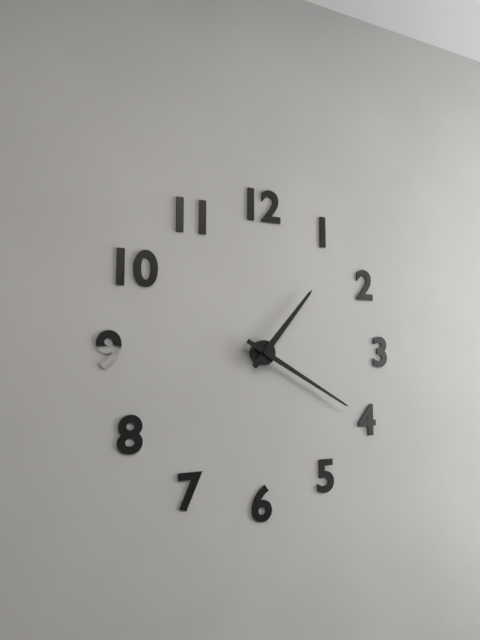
1h20
